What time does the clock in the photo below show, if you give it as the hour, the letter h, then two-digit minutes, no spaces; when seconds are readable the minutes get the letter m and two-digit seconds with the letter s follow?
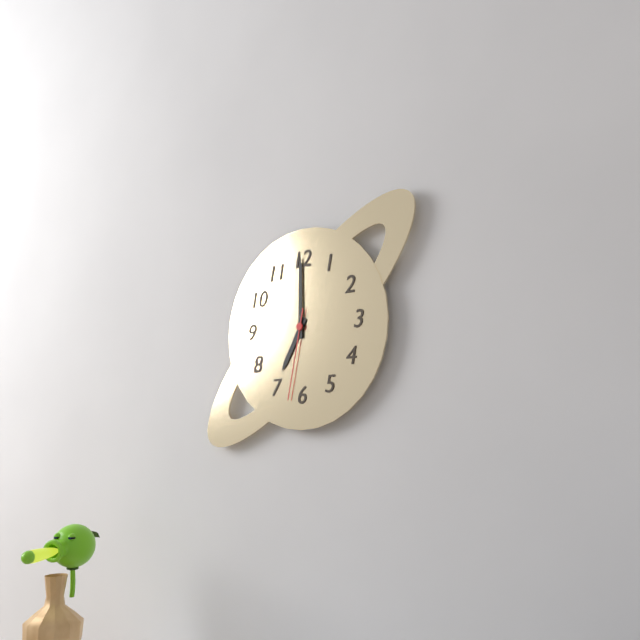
7h00m32s
